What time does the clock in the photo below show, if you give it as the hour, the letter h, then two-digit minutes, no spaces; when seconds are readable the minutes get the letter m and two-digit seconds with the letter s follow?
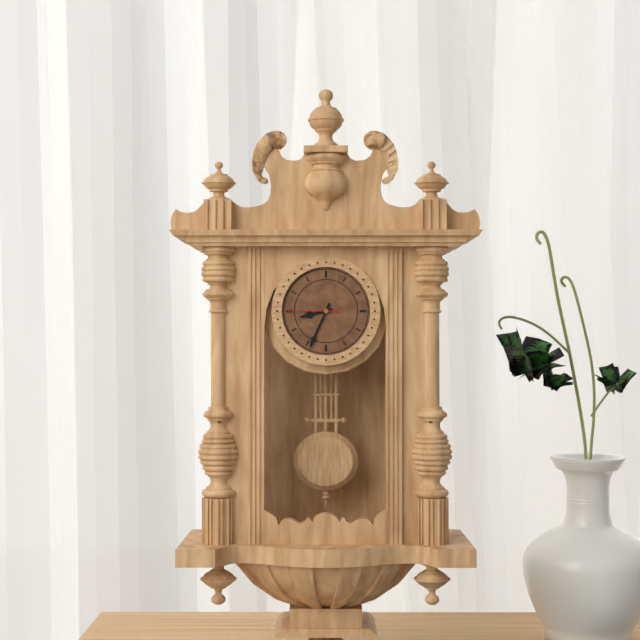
8h34m45s
